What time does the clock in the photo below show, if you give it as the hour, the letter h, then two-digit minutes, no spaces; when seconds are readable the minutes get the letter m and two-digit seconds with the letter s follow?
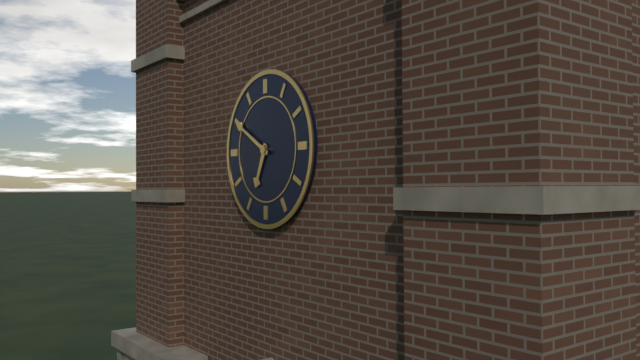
6h50
